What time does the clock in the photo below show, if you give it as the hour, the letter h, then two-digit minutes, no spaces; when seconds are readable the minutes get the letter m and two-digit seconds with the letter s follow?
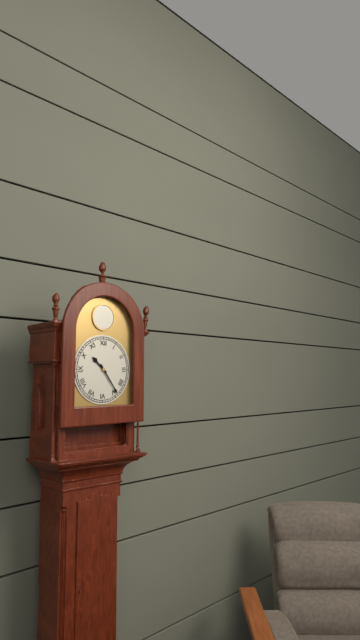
10h24
